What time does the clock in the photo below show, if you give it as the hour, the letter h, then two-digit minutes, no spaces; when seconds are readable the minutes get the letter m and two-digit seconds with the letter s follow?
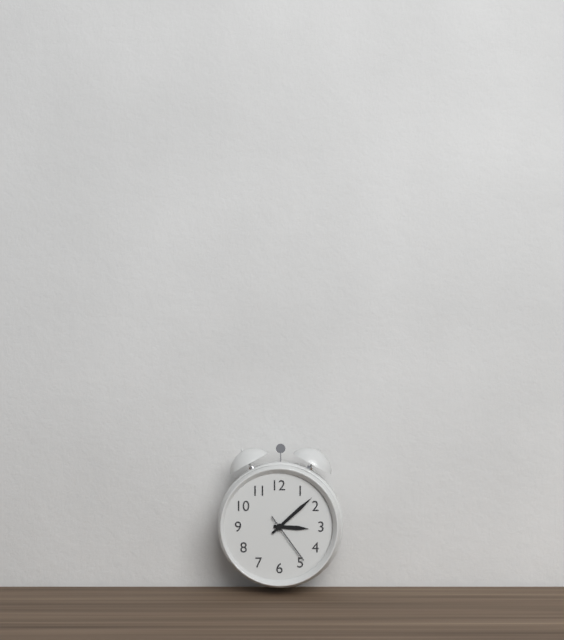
3h08m24s
